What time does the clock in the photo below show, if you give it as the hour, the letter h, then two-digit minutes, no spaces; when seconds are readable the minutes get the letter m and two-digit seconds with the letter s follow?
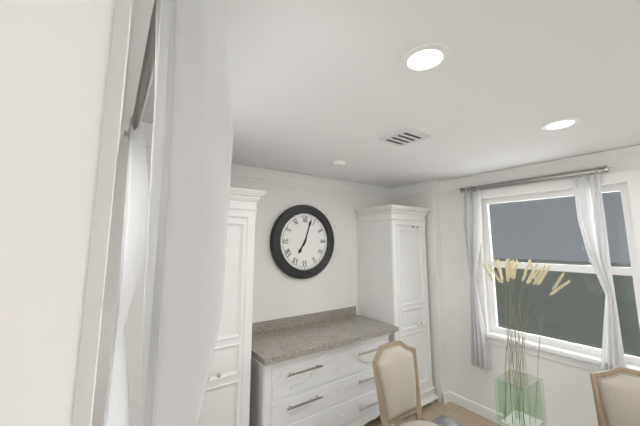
7h03
